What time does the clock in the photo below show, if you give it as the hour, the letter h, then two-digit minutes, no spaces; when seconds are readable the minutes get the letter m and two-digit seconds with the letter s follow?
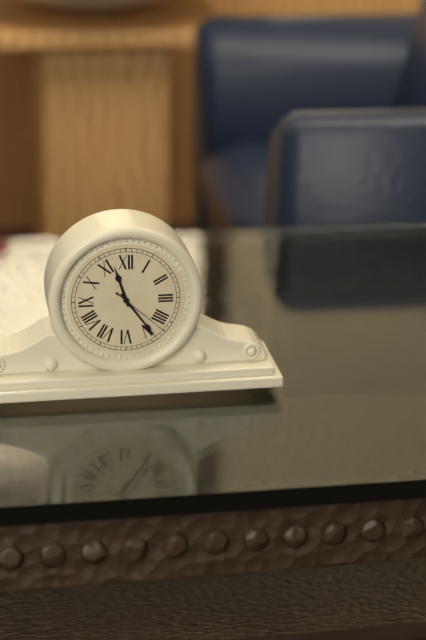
11h24m22s
